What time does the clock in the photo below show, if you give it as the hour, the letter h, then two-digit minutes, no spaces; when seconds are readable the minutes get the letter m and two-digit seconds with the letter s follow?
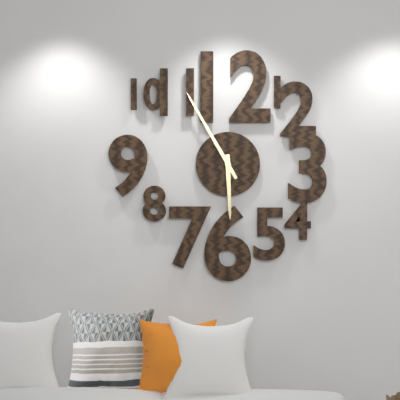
5h55
